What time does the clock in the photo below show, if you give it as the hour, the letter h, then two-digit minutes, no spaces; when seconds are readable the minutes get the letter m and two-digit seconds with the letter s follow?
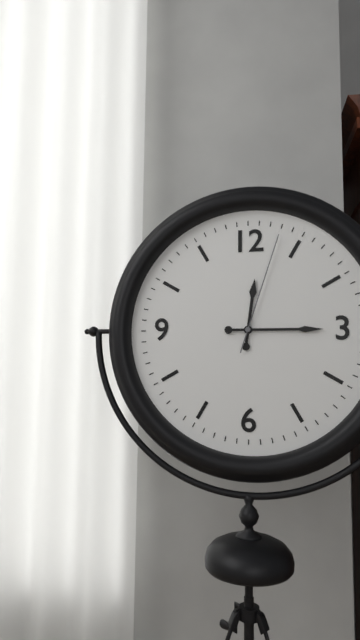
12h15m03s
